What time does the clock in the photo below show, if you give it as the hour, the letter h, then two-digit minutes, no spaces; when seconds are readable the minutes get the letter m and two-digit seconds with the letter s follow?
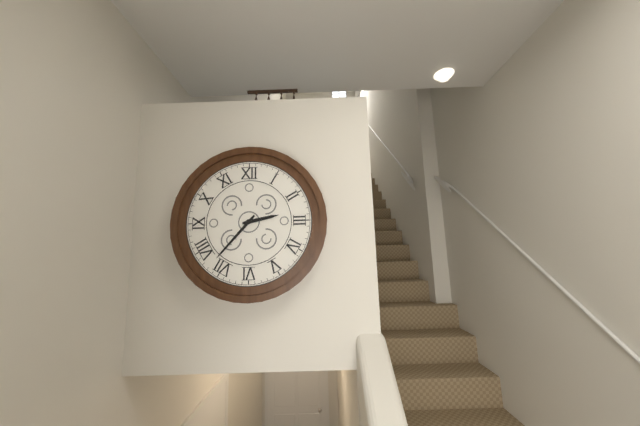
2h37
